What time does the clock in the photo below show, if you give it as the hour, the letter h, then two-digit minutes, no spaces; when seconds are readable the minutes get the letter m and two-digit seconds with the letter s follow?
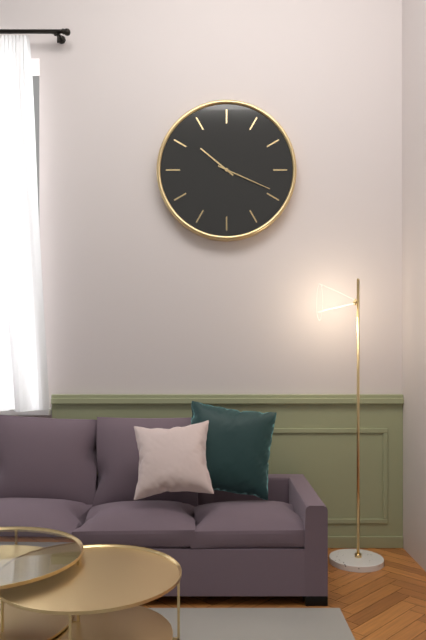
10h19
